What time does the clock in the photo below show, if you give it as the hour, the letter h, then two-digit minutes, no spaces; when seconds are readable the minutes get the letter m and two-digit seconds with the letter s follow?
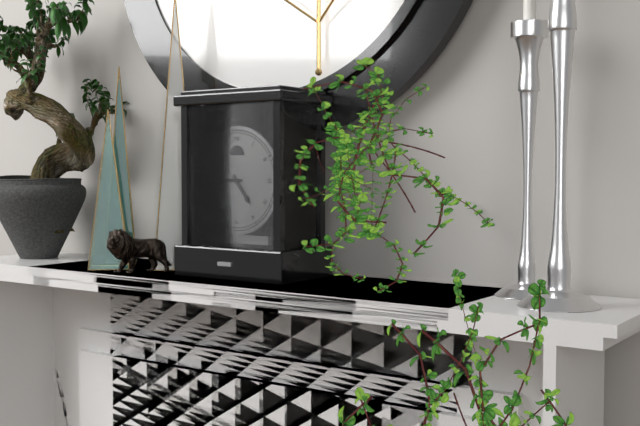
4h45
